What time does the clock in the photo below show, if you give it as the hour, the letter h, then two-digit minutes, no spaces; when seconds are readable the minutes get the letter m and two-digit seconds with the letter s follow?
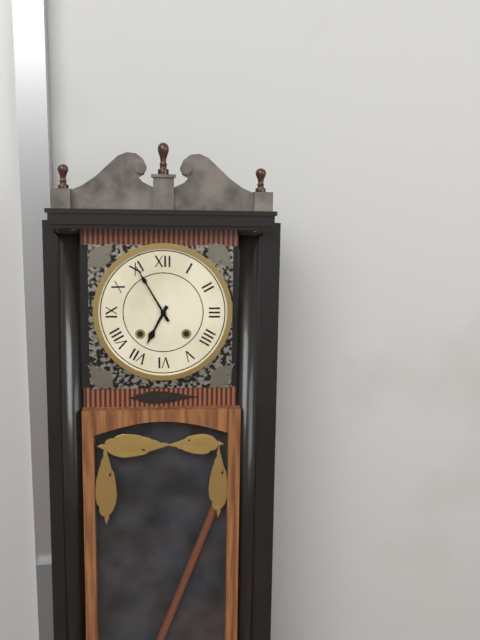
6h55
